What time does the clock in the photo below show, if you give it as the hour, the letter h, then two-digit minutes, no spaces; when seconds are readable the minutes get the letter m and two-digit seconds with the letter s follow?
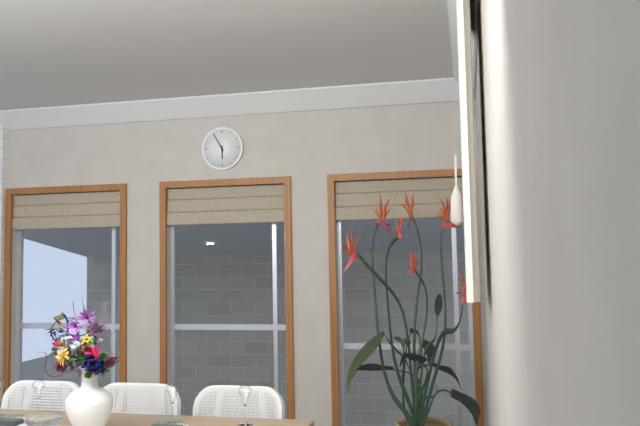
5h55
